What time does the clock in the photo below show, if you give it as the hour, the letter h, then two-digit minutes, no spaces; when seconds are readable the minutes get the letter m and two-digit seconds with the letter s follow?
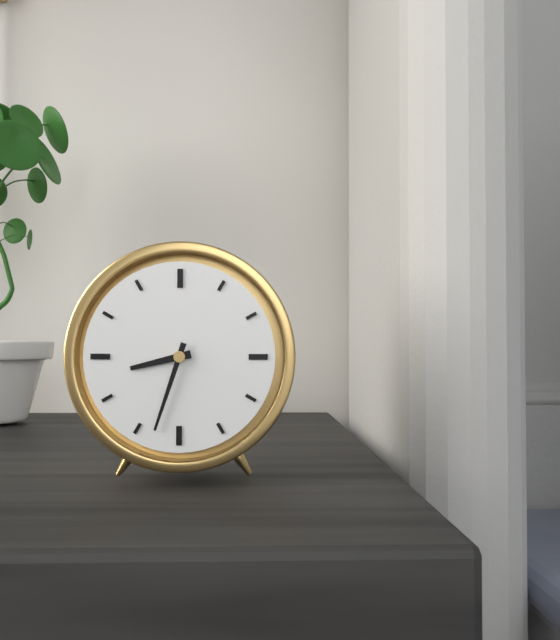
8h33
